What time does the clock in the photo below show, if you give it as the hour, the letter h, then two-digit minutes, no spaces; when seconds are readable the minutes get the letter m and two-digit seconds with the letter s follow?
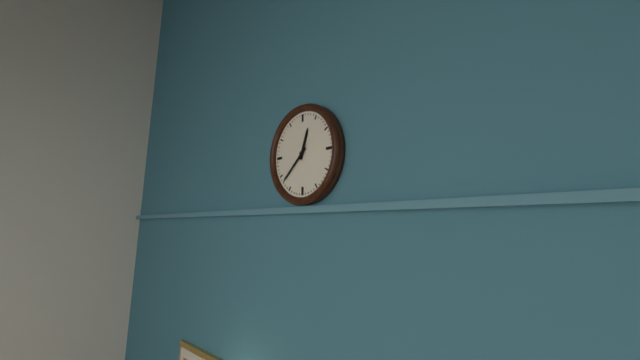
12h38
